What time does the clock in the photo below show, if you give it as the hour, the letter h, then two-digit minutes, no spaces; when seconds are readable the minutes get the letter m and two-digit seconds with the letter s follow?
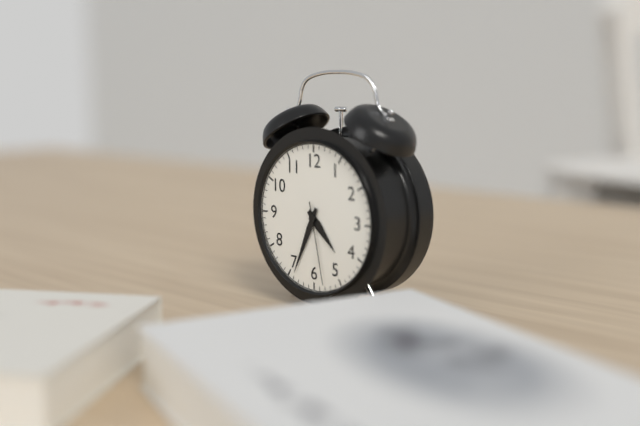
4h34m28s
